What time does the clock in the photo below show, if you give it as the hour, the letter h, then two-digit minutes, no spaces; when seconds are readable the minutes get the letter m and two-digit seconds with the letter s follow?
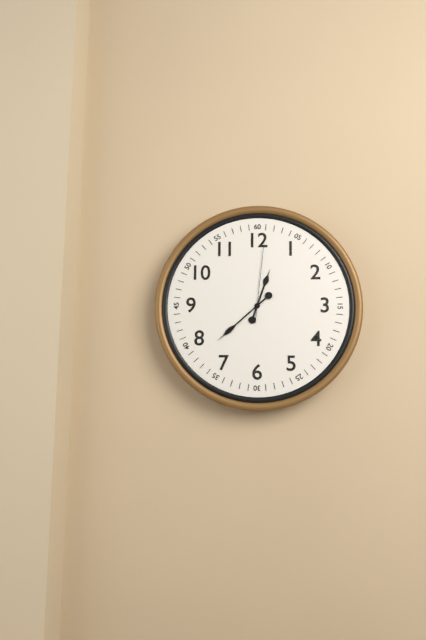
12h38m01s
